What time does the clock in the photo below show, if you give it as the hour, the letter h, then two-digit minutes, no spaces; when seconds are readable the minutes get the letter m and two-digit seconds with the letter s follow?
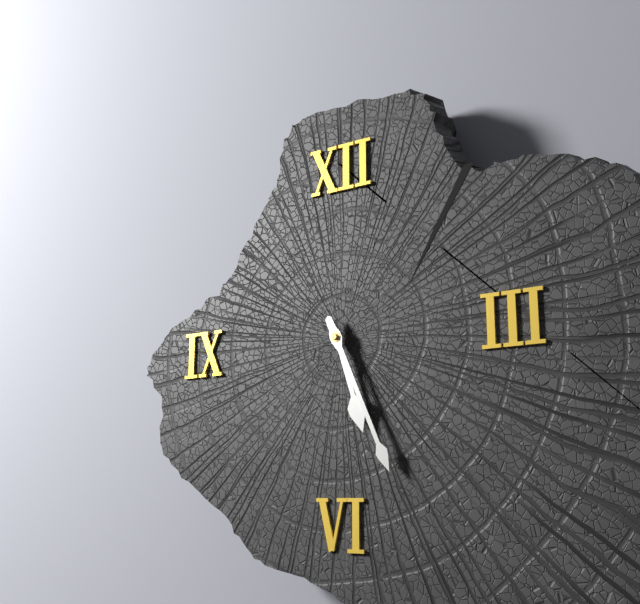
5h26
